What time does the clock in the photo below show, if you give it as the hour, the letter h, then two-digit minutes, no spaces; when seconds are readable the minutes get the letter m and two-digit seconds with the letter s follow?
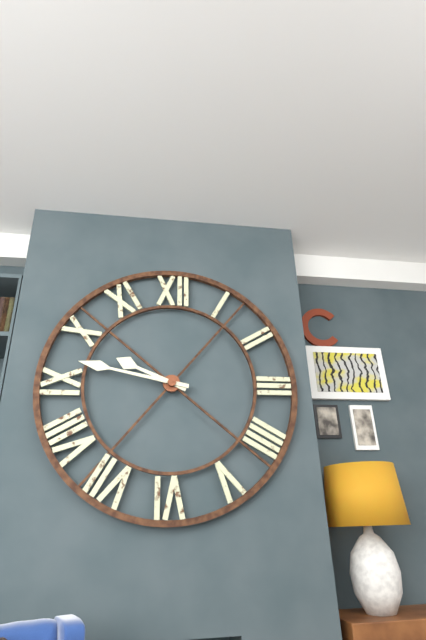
9h47
